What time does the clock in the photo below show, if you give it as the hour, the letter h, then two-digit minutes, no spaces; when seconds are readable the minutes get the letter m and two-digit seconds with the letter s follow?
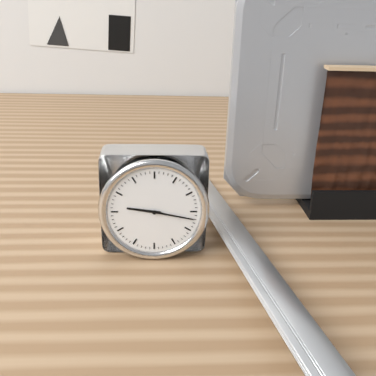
9h17
